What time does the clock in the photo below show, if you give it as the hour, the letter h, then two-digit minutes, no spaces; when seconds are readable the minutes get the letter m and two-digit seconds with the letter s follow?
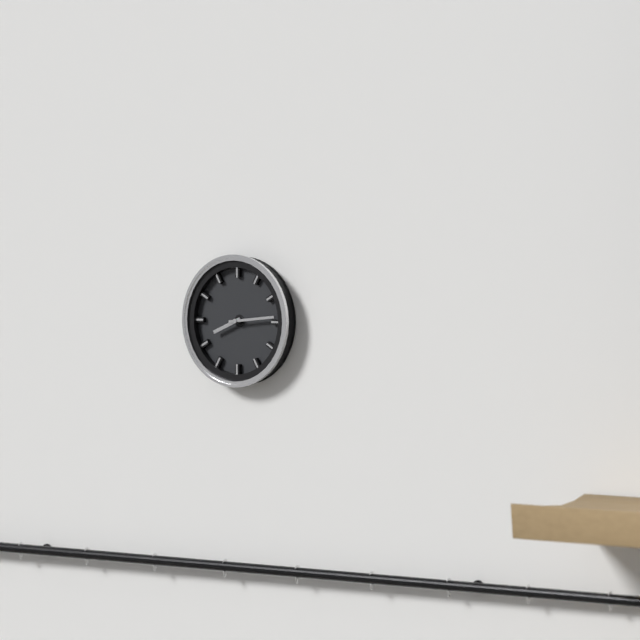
8h14
